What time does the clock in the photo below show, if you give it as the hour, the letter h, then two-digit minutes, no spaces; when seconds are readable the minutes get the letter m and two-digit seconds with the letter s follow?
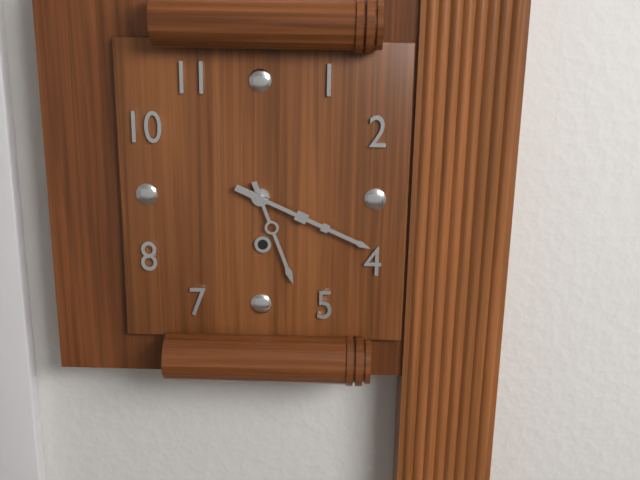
5h19
